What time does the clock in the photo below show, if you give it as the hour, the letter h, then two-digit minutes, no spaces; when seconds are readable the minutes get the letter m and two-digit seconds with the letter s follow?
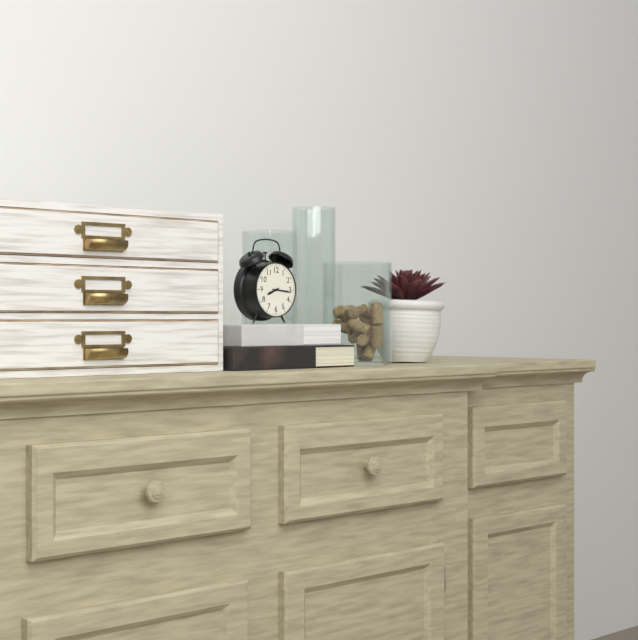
8h16
